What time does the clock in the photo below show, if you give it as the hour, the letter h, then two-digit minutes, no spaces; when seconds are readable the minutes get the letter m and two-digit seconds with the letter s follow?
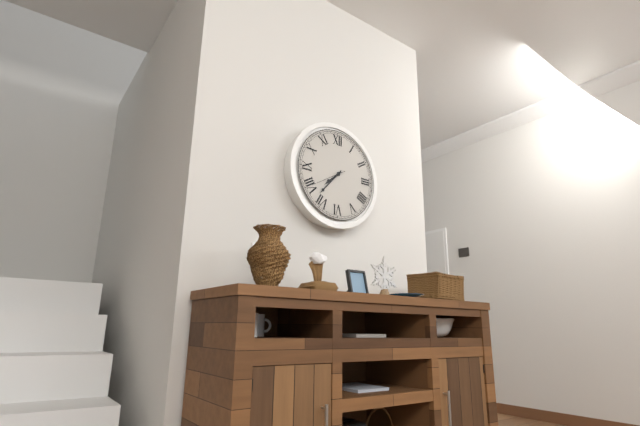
7h37
